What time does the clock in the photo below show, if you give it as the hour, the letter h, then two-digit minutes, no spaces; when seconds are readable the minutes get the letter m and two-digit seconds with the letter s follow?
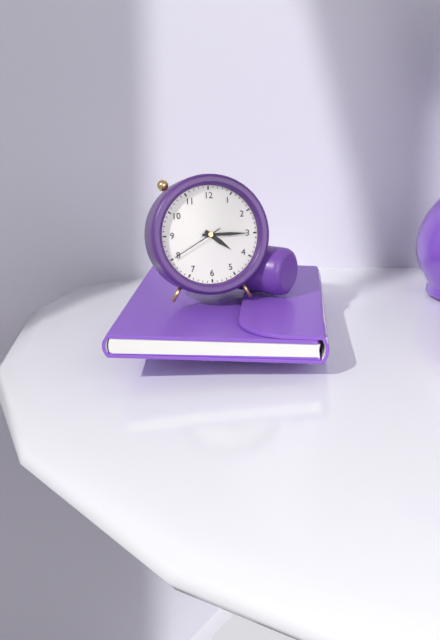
4h15m40s
